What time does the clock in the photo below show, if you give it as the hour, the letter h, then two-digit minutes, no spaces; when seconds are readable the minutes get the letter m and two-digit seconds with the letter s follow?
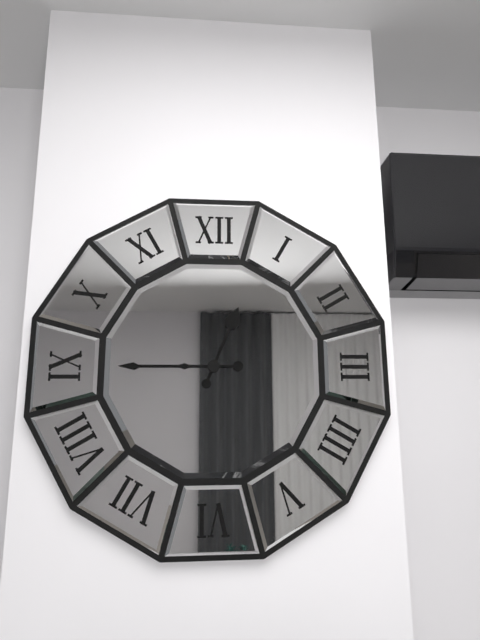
12h45
